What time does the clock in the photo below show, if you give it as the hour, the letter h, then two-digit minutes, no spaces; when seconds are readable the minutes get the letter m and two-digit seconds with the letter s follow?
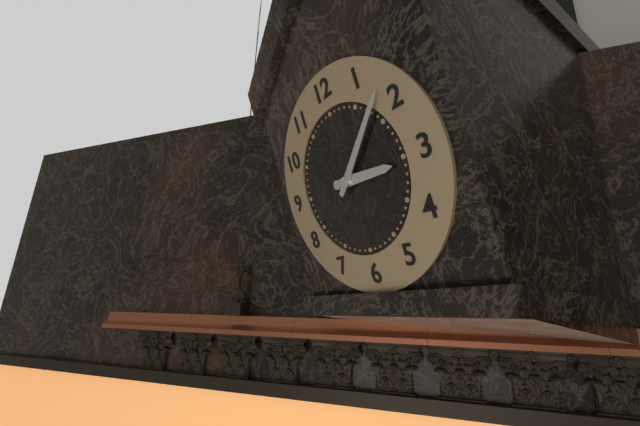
3h08
